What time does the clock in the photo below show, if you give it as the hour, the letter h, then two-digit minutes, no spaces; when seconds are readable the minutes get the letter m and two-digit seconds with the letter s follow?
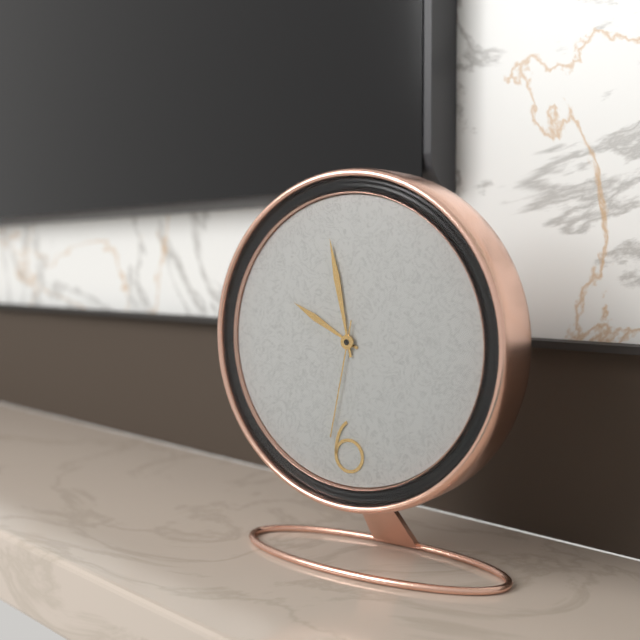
9h58m32s
